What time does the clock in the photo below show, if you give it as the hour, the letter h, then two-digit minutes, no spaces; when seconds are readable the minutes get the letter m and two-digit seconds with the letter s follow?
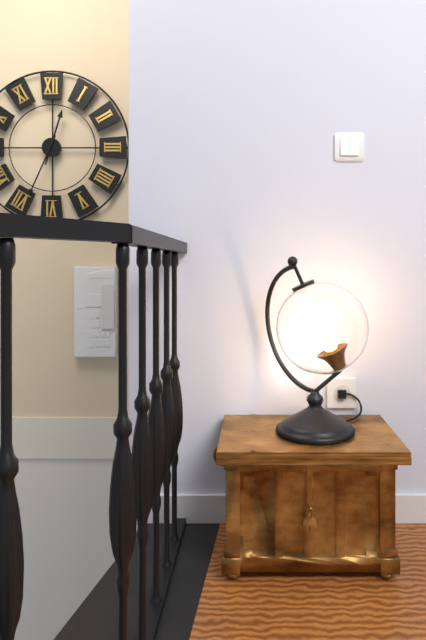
12h34
